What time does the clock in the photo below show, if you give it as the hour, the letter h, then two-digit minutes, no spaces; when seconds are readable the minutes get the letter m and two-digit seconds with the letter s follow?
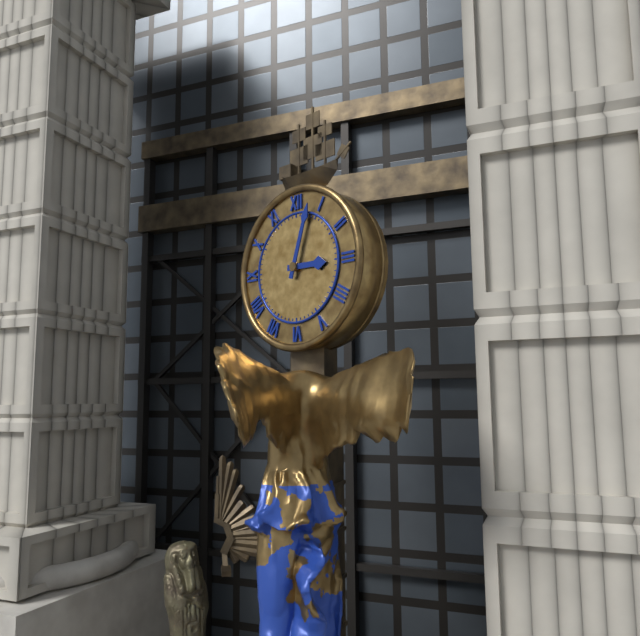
3h03
